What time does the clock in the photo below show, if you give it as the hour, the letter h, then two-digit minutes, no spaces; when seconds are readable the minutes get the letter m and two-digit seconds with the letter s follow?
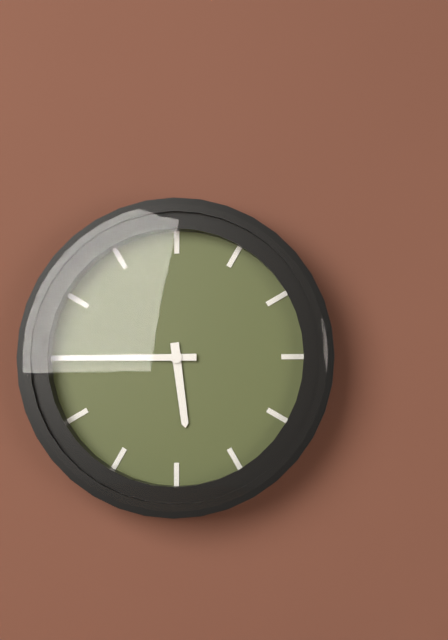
5h45
